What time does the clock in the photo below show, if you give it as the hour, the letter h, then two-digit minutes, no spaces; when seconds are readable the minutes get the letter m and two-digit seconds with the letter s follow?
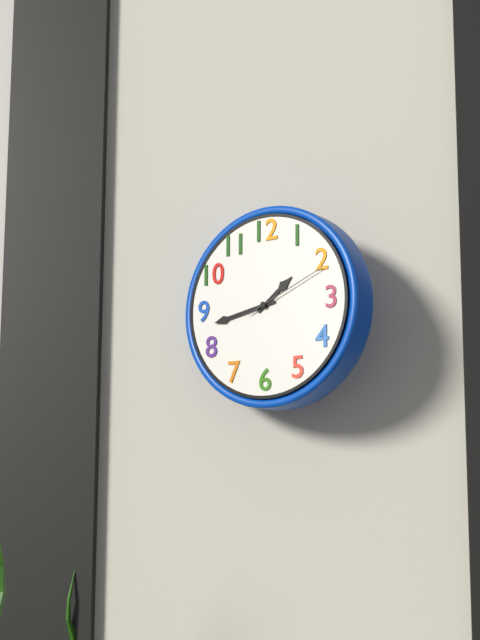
1h43m11s
